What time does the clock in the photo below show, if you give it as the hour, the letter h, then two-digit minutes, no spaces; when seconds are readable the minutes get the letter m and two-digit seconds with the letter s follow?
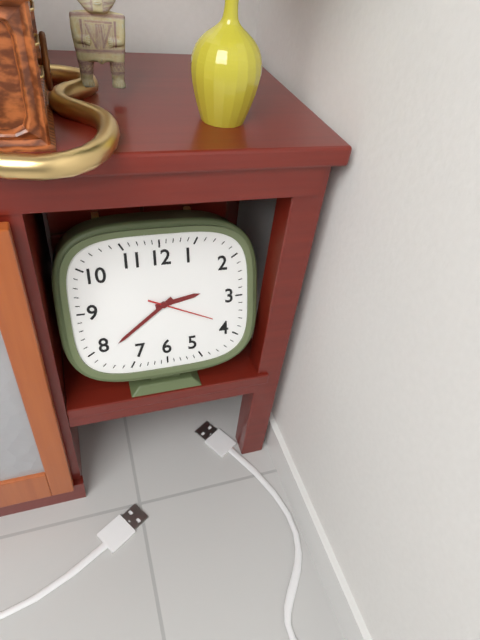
2h39m19s
